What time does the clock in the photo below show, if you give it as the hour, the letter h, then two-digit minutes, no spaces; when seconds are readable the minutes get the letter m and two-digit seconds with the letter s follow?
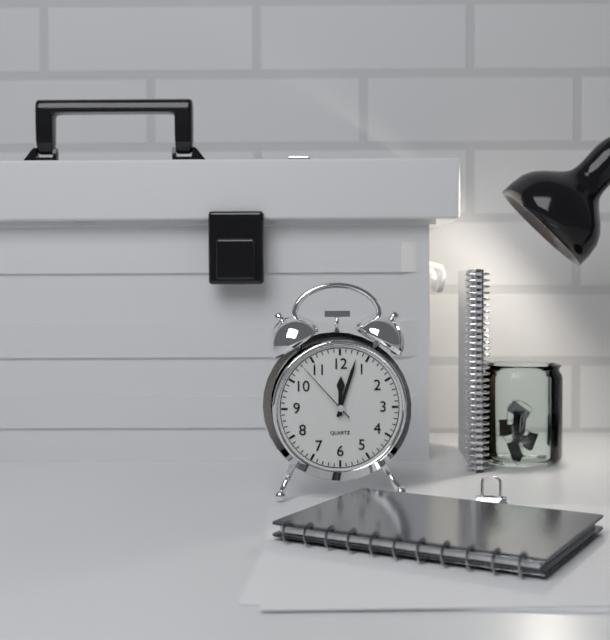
12h03m53s
